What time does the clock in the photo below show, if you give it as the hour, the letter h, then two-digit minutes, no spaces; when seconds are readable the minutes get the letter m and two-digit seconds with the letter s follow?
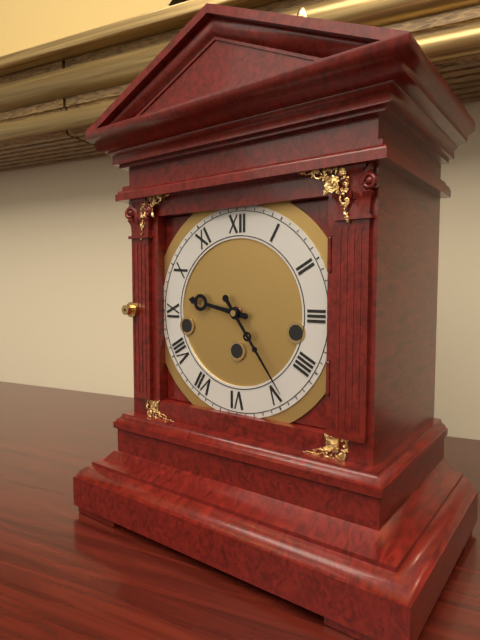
9h24
